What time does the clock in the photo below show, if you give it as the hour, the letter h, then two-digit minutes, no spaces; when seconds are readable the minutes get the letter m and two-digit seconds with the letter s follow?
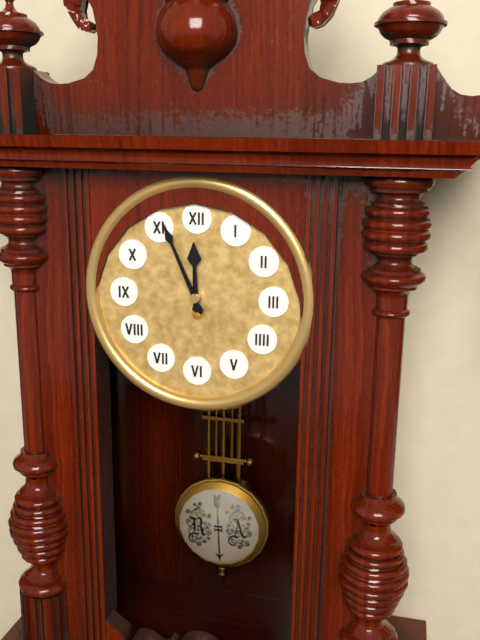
11h56
